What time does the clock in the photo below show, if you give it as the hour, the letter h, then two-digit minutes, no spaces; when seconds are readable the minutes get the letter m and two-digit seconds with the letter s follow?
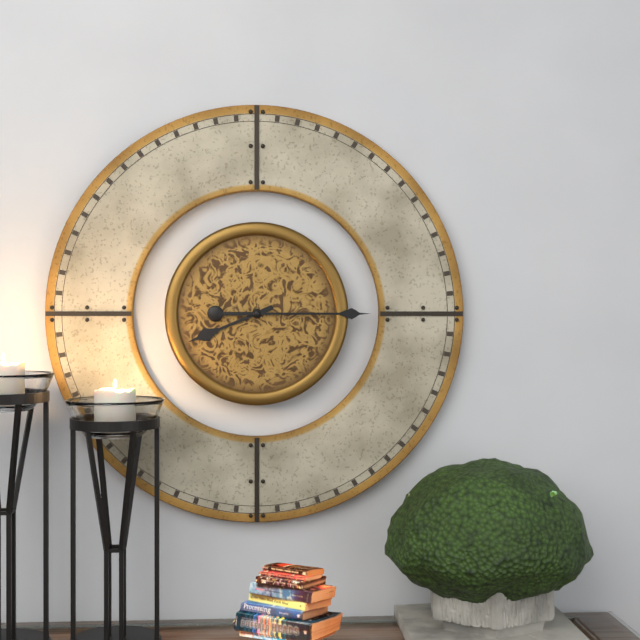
8h15
